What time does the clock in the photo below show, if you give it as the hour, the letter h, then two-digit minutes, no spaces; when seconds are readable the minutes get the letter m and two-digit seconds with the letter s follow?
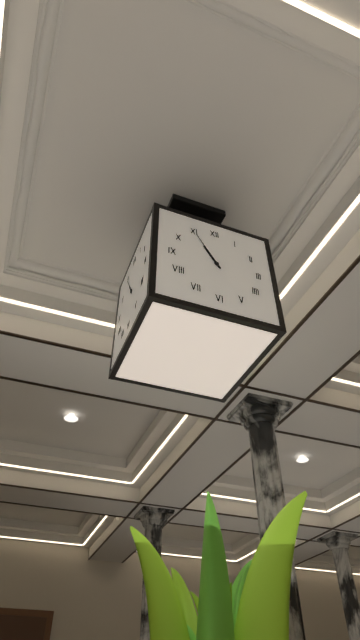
10h55
